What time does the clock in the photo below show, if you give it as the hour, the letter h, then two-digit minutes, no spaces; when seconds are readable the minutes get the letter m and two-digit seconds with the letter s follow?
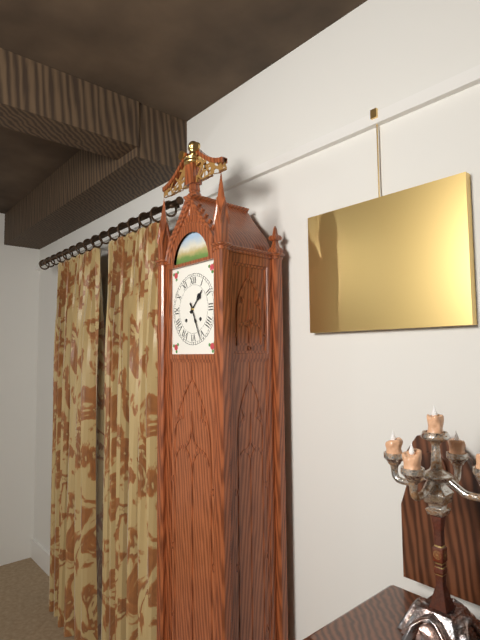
1h26
